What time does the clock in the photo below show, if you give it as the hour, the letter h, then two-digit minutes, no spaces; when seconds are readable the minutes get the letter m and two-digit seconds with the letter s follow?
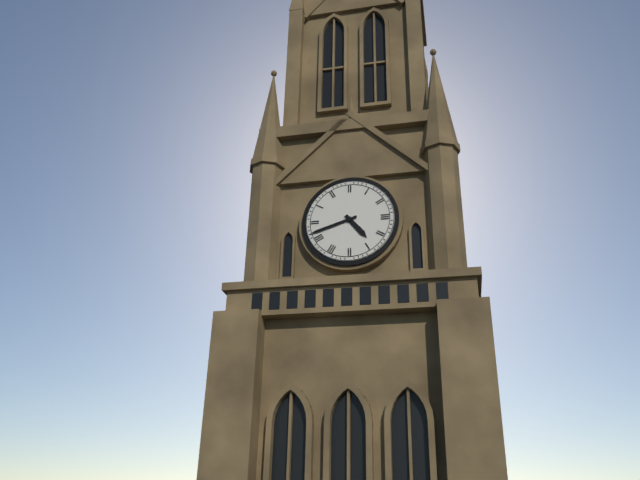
4h42
